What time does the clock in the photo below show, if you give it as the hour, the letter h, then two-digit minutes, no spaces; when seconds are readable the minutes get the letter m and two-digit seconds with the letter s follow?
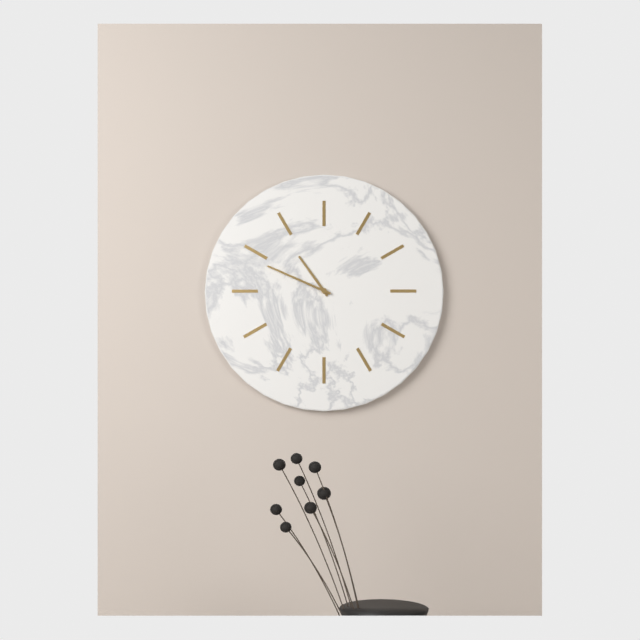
10h49
